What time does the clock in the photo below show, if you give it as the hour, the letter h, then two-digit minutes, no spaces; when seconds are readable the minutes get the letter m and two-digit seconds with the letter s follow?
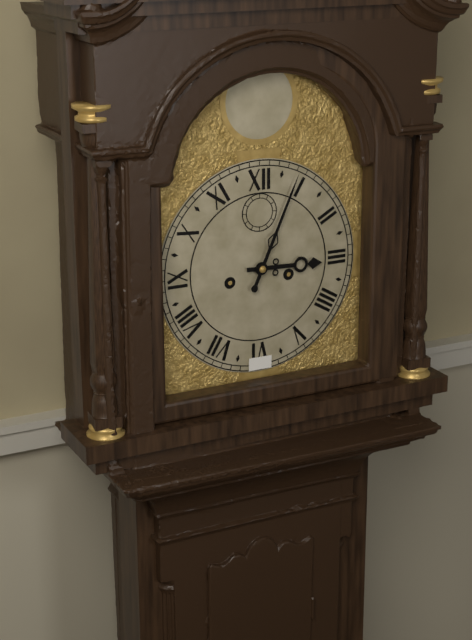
3h04
